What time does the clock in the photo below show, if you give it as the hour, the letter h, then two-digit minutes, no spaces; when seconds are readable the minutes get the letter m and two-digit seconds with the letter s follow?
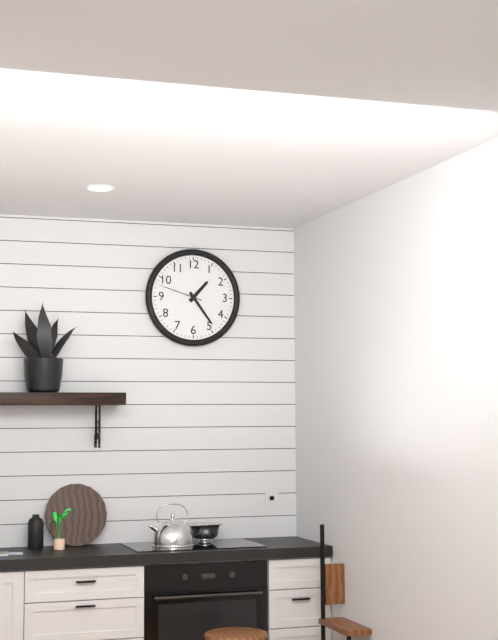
1h24
